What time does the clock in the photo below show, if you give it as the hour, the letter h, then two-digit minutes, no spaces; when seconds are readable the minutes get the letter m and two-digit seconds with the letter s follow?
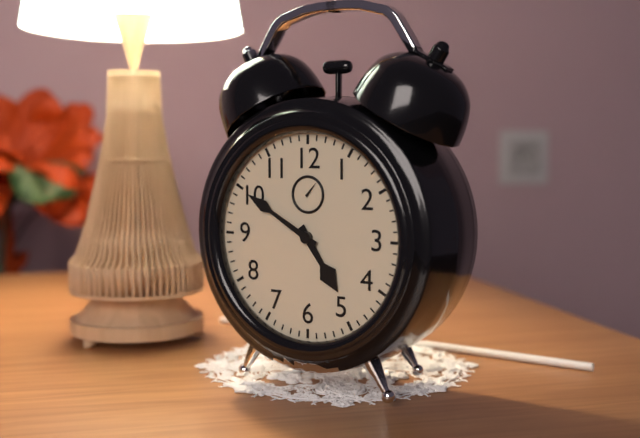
4h50
